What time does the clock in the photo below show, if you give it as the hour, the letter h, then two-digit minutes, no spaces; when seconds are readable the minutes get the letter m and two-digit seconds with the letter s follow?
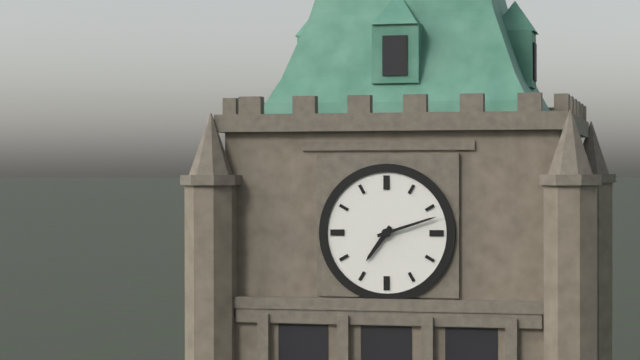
7h12
